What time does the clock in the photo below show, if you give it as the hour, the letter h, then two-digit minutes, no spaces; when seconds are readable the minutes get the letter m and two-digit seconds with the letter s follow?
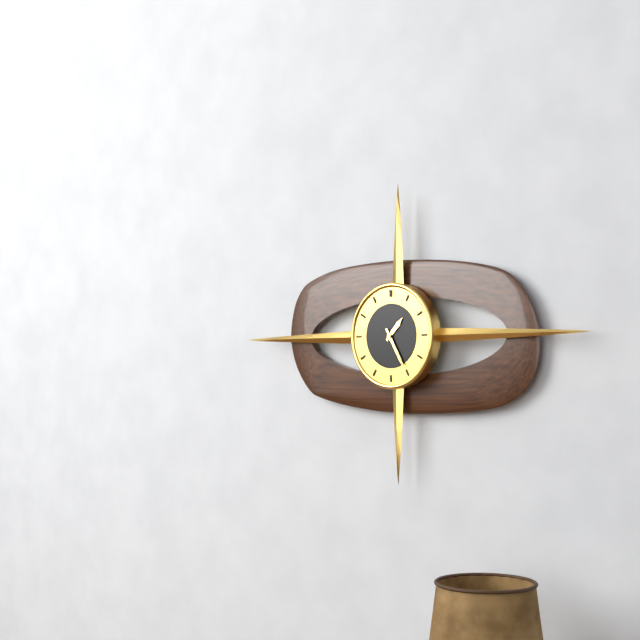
1h25
